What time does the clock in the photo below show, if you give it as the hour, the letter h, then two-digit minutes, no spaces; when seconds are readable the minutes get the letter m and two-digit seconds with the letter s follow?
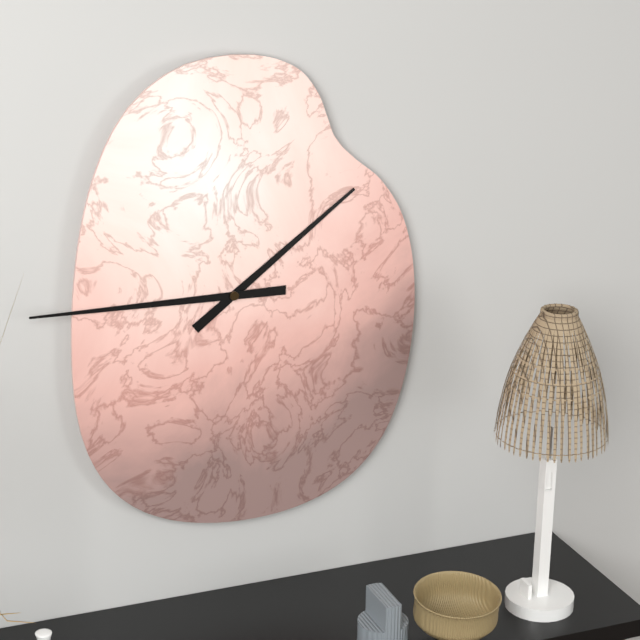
1h45
